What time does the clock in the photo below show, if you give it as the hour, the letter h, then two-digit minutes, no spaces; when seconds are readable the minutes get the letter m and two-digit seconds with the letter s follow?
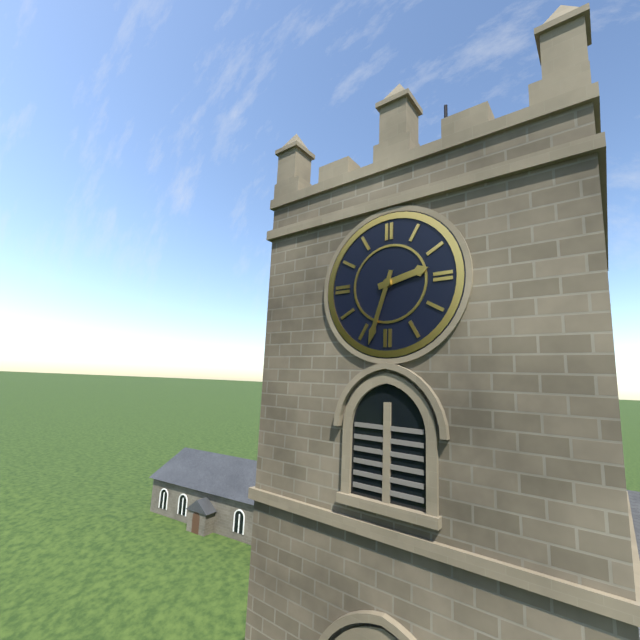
2h33
